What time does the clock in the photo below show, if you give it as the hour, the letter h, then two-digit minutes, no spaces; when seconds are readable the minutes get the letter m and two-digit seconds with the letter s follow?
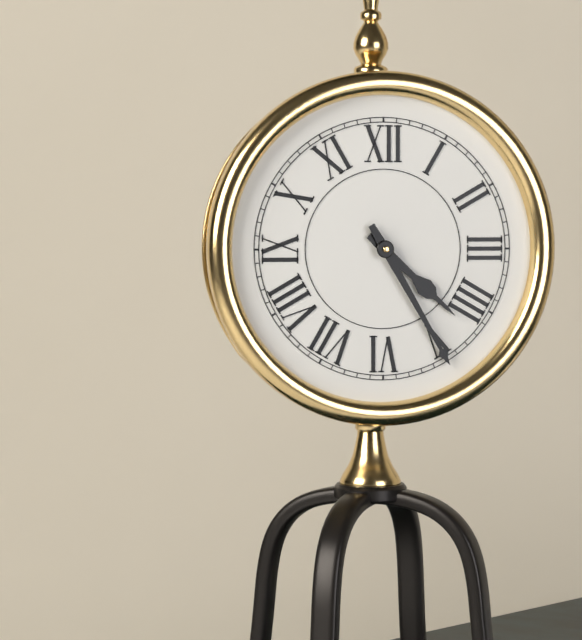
4h25
